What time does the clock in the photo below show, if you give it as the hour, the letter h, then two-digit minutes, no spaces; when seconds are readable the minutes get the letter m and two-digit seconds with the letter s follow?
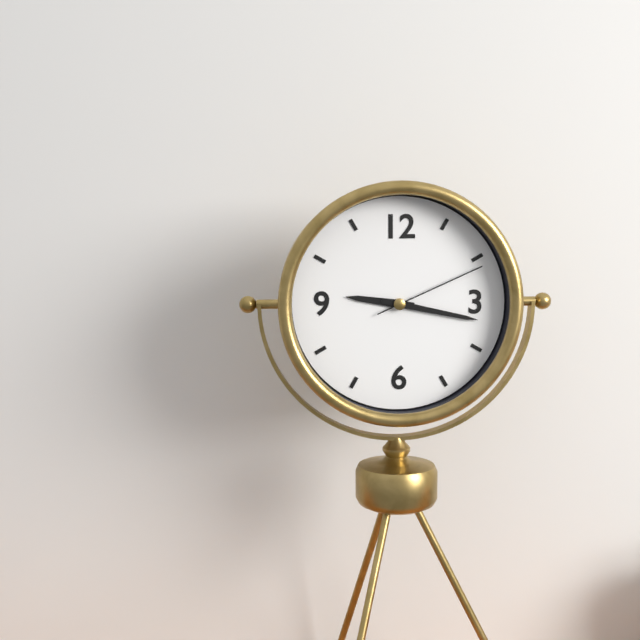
9h17m11s
